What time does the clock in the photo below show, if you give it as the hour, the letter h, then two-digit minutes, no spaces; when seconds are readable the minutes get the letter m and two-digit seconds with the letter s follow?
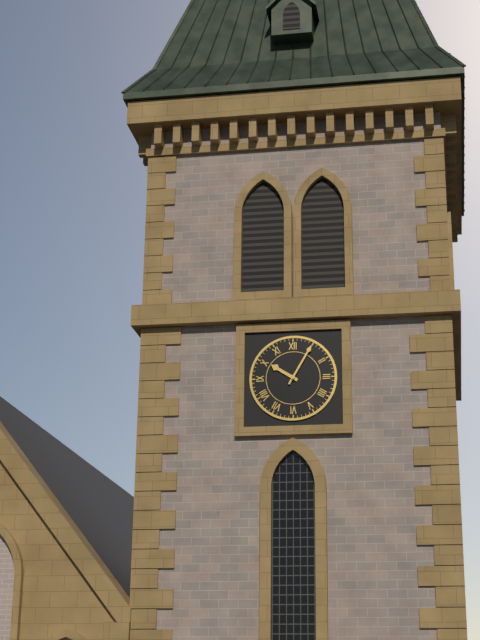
10h05
